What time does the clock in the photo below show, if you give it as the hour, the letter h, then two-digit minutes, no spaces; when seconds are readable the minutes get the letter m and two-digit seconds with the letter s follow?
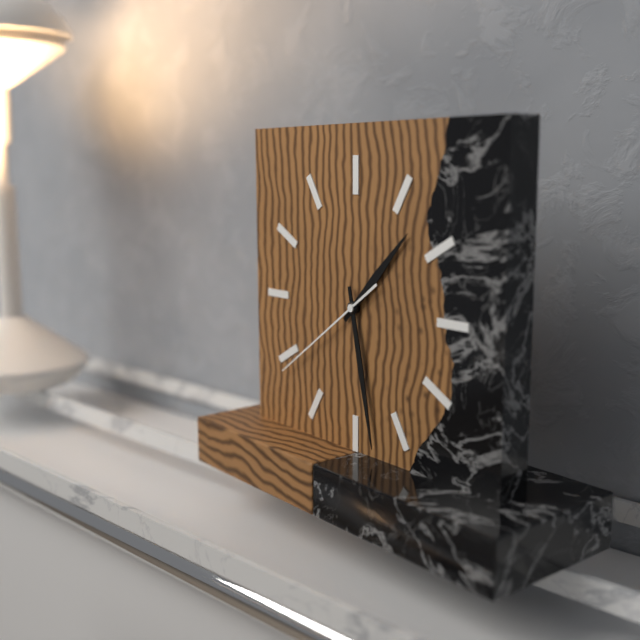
1h28m39s
